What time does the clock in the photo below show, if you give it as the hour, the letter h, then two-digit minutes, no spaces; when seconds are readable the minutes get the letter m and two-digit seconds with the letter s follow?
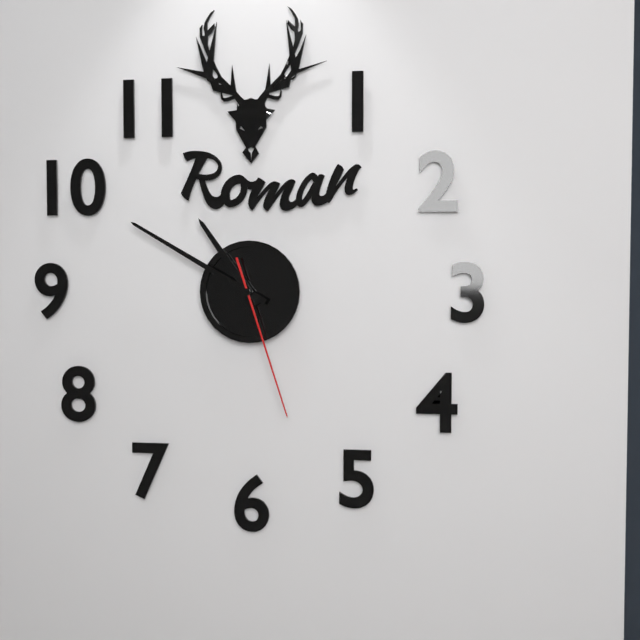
10h50m27s
